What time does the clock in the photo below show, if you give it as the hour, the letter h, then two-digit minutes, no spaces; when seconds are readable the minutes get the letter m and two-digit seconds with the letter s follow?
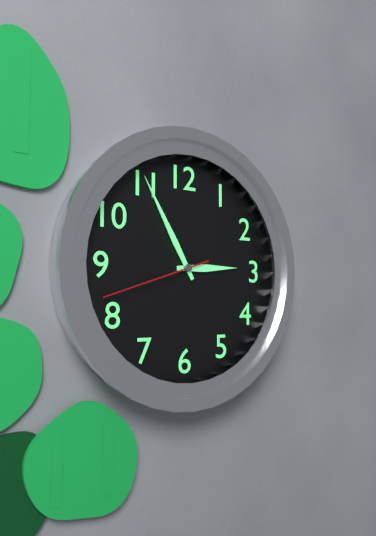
2h55m42s
